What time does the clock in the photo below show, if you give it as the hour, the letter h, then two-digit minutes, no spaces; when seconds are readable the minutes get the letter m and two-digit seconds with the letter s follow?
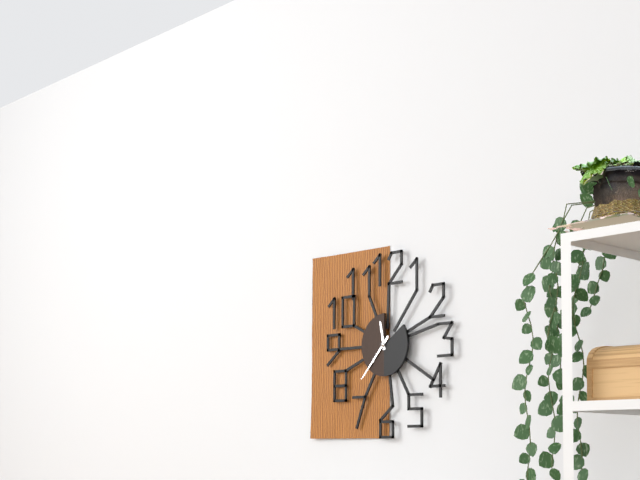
11h37
